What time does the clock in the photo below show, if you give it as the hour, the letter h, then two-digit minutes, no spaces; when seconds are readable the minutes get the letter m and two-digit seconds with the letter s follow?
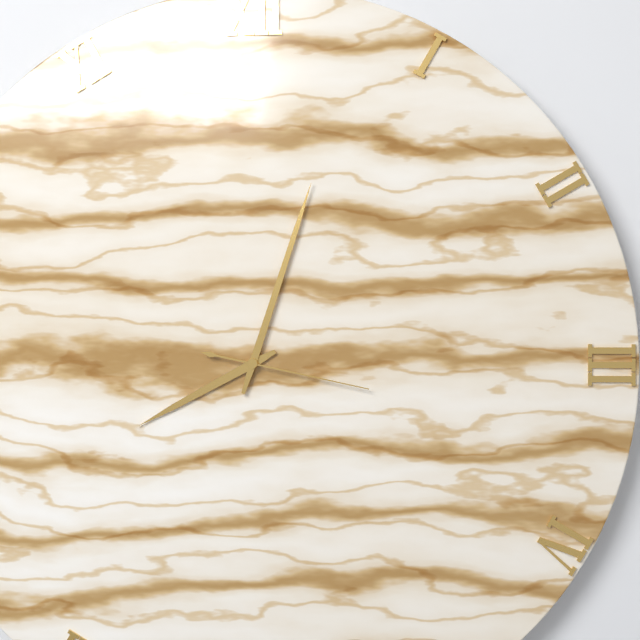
8h03m17s
